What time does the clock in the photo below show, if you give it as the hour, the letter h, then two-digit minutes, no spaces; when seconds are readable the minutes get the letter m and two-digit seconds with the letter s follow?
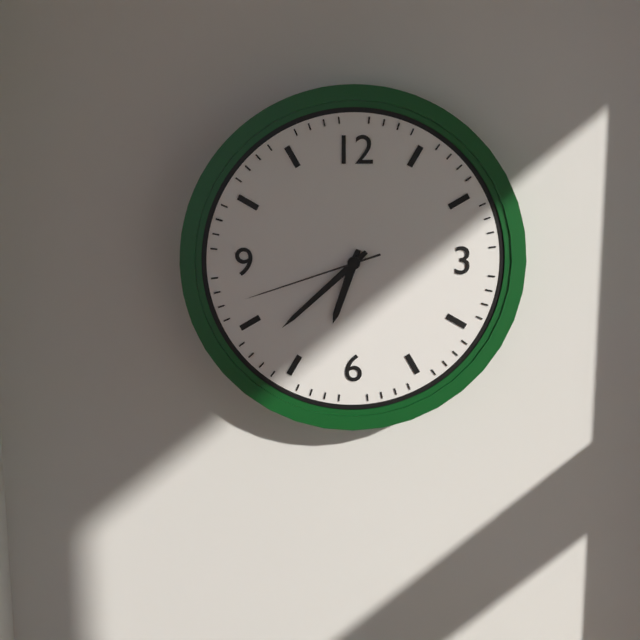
6h38m42s
